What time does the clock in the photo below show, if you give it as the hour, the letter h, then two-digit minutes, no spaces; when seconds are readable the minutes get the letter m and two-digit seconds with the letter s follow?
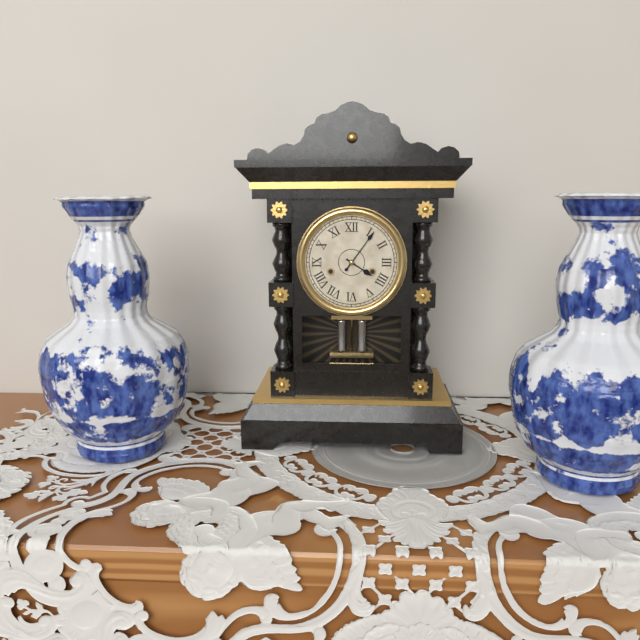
4h06
